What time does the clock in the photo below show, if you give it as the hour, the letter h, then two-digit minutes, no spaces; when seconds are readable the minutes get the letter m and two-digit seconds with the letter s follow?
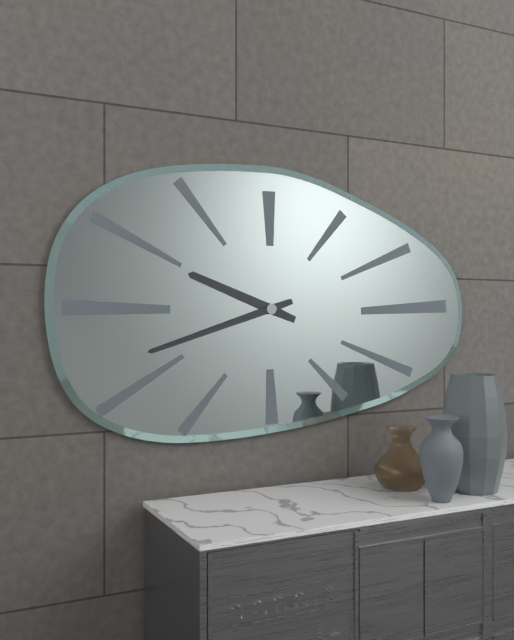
9h42
